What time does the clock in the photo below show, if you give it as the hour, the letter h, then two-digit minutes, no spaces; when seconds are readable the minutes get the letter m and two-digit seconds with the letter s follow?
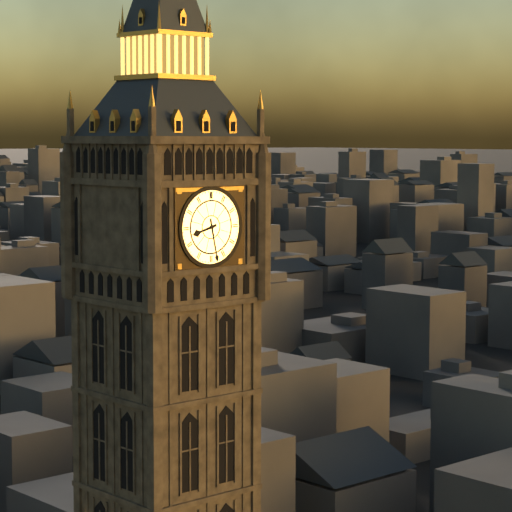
8h28
